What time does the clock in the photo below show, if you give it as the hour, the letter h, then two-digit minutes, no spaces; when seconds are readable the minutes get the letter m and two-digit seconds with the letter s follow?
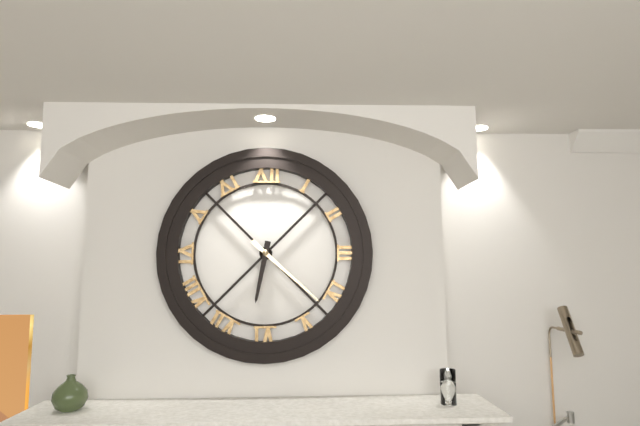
6h22
